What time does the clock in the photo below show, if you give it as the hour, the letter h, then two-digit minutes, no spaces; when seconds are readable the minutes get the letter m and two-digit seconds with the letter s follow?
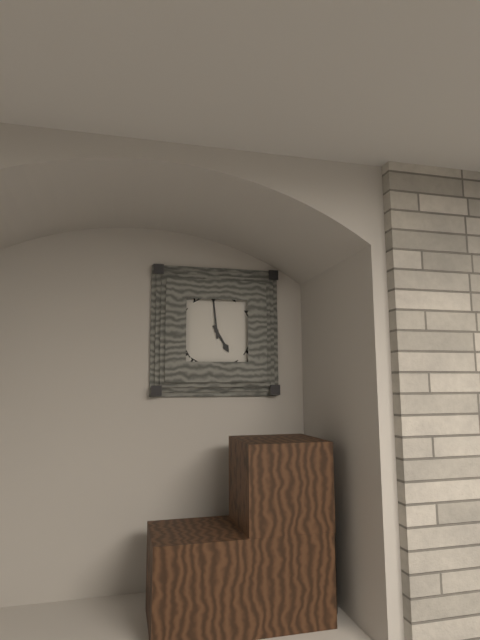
4h59
